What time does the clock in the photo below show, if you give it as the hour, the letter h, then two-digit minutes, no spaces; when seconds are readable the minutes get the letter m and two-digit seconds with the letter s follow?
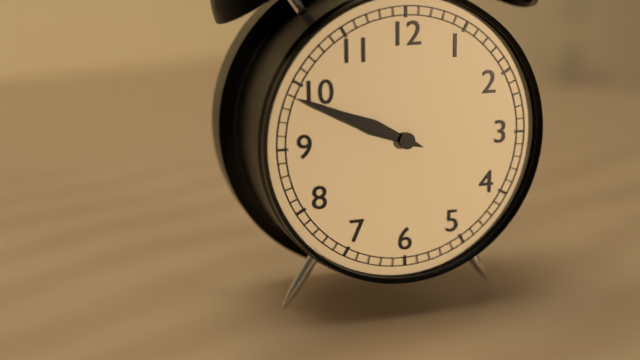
9h49
